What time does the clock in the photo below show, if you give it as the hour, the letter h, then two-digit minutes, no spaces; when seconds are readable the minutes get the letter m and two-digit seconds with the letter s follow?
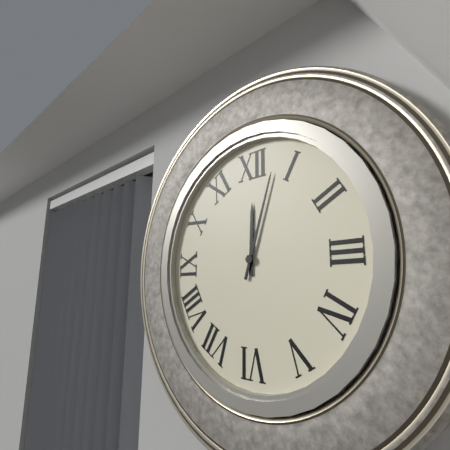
12h03
